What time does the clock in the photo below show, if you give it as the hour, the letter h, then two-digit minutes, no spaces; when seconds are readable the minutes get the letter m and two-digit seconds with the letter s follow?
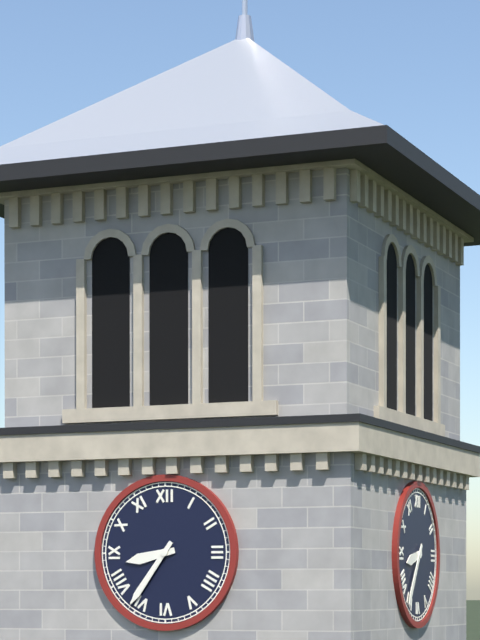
8h36
